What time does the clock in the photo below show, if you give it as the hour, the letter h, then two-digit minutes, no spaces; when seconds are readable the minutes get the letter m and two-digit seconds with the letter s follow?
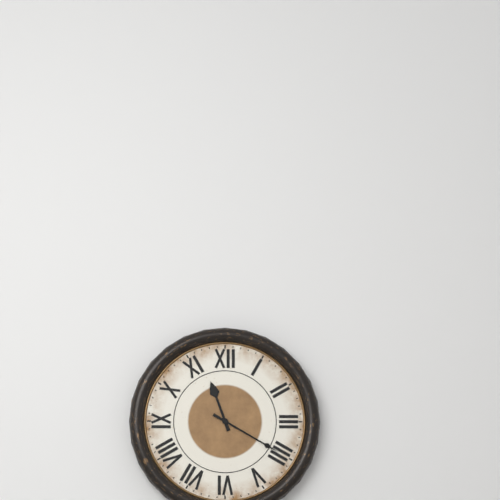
11h20
